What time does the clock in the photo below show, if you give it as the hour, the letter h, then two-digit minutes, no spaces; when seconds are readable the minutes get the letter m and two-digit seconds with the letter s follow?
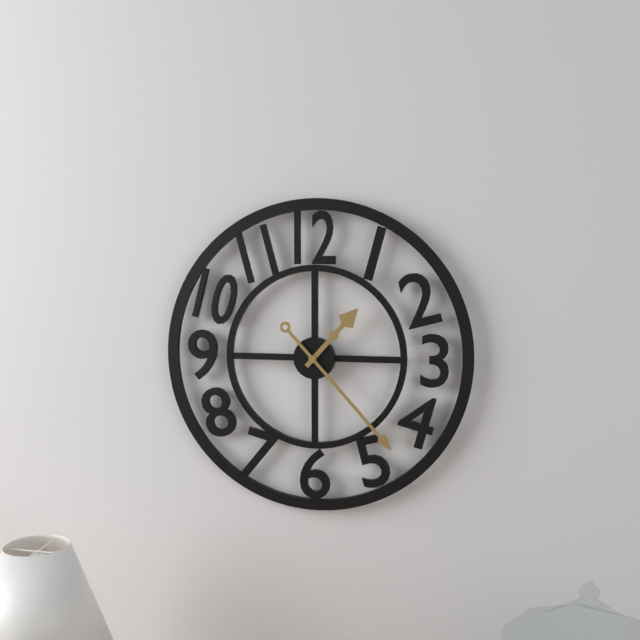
1h23
